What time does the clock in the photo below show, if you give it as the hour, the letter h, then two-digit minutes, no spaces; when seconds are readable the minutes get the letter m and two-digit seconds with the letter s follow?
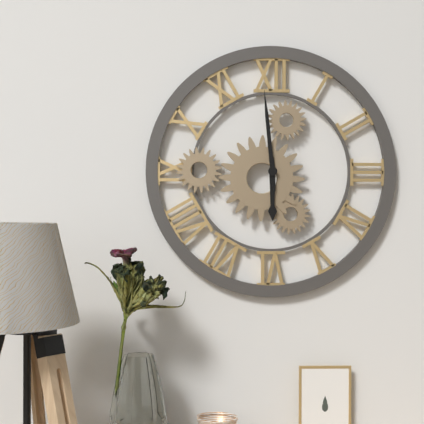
5h59
